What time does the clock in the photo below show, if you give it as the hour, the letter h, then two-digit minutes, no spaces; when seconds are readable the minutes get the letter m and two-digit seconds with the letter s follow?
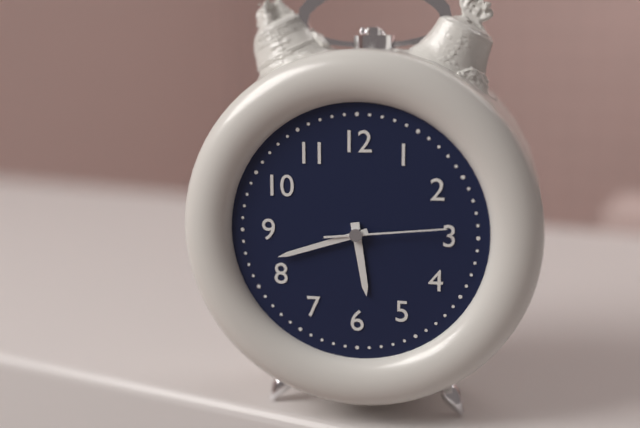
5h42m14s
